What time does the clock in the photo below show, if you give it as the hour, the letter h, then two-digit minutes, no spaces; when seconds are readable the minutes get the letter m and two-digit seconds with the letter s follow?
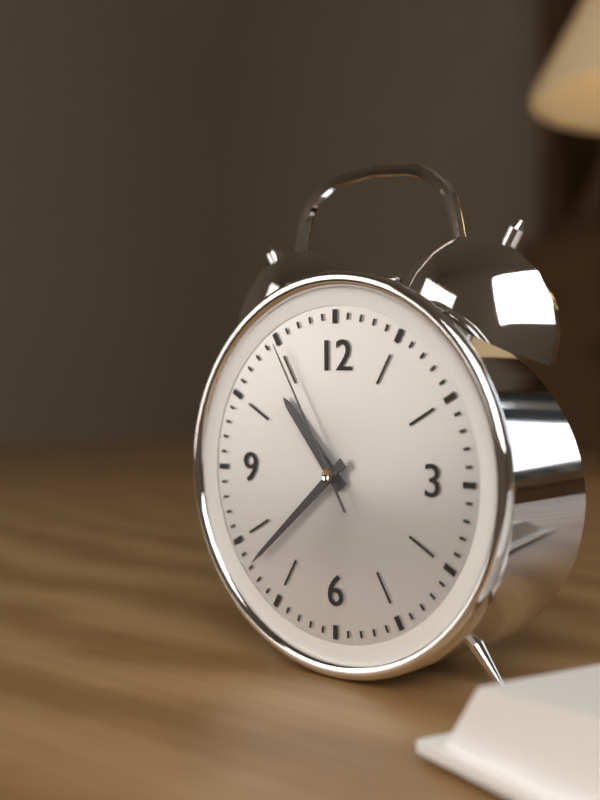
10h38m55s
